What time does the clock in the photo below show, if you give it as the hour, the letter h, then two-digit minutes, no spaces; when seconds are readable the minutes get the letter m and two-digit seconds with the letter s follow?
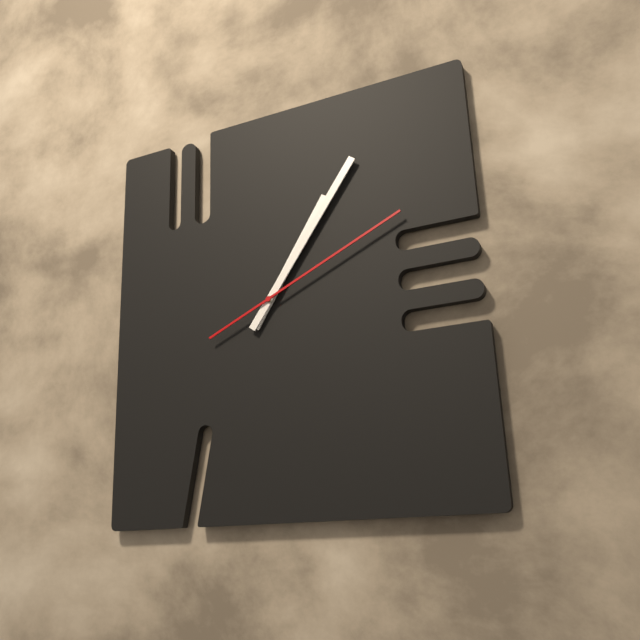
1h06m11s
